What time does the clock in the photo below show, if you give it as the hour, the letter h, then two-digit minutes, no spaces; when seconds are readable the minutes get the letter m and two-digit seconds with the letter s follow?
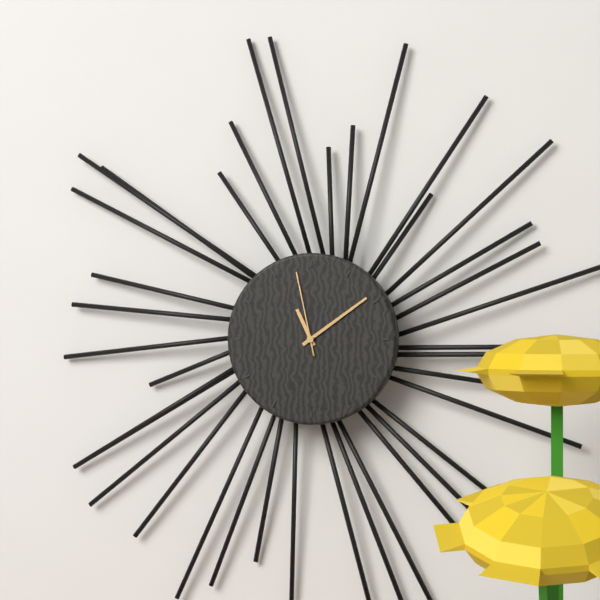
11h09m58s
